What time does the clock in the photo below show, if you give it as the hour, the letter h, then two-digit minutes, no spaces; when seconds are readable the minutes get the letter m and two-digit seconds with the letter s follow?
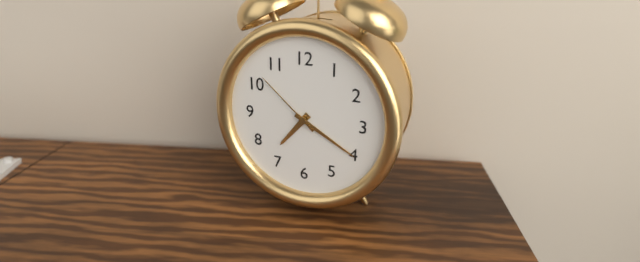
7h20m52s
